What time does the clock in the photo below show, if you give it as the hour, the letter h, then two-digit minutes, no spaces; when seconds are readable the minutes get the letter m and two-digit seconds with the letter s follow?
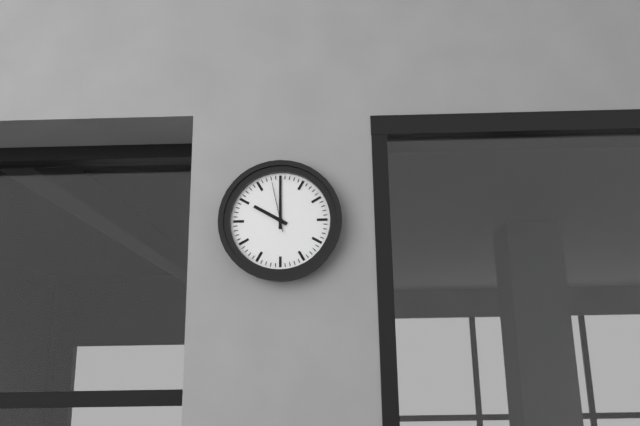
10h00
